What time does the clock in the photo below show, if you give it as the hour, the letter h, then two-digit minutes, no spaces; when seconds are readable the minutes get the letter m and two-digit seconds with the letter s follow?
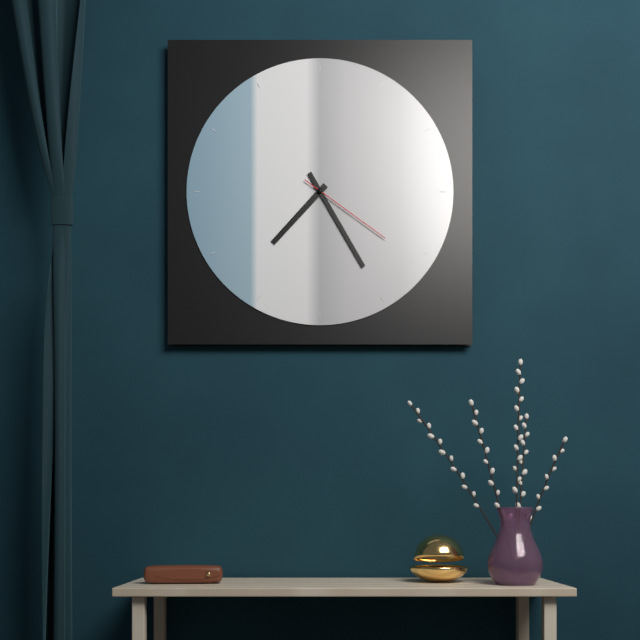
7h25m21s
